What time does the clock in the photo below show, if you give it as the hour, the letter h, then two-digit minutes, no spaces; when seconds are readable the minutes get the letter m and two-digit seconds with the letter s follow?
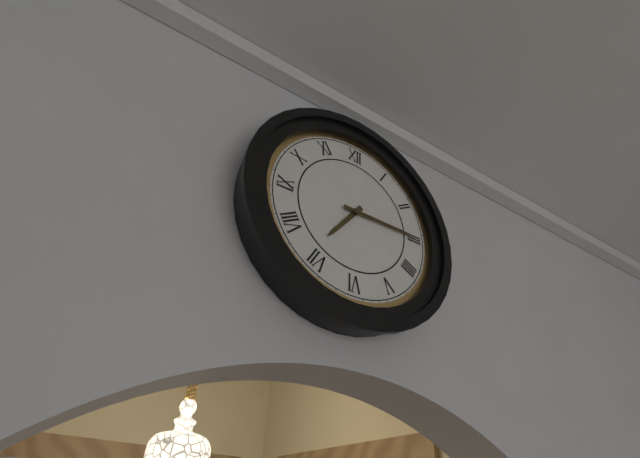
7h15
